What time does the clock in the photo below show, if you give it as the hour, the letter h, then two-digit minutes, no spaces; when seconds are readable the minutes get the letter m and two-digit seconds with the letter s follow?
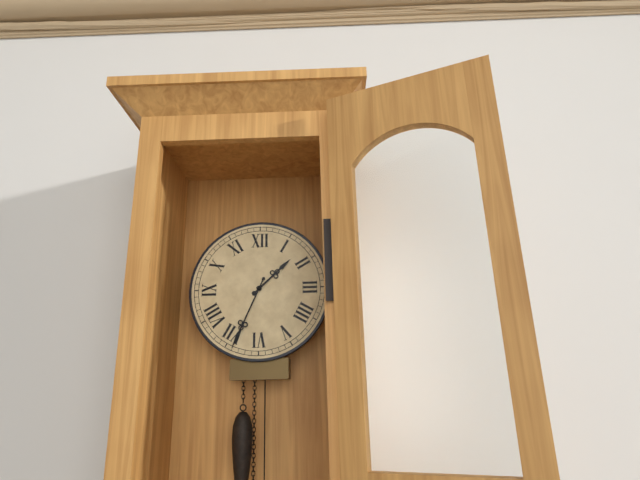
1h34
